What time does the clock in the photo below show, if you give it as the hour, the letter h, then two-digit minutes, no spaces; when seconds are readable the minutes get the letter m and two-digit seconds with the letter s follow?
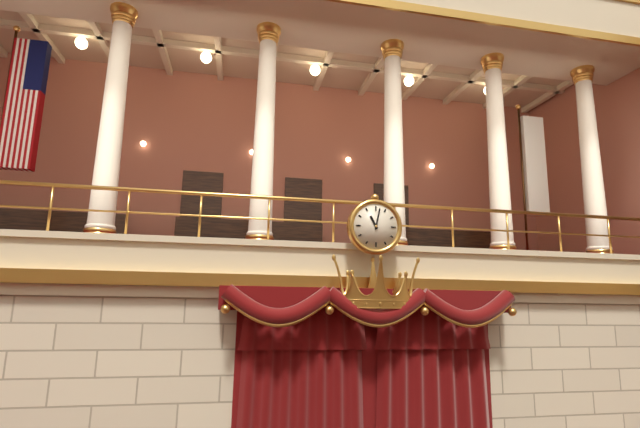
11h02
